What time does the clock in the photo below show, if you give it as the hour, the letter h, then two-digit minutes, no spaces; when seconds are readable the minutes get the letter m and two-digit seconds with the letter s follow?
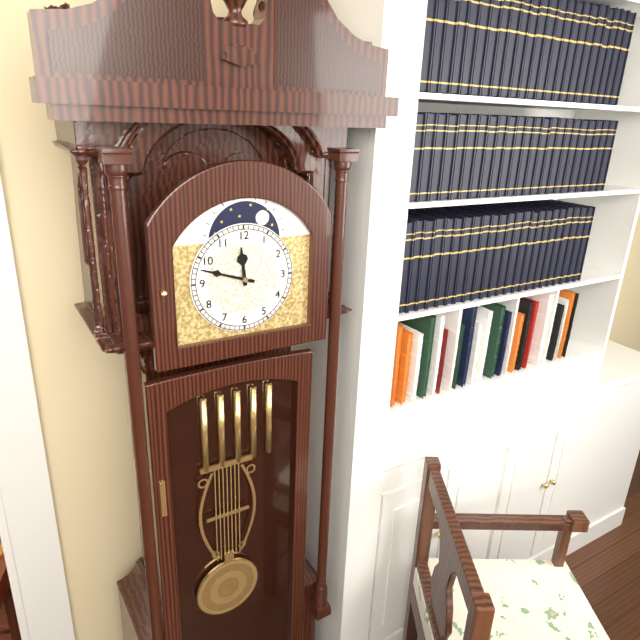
11h48
